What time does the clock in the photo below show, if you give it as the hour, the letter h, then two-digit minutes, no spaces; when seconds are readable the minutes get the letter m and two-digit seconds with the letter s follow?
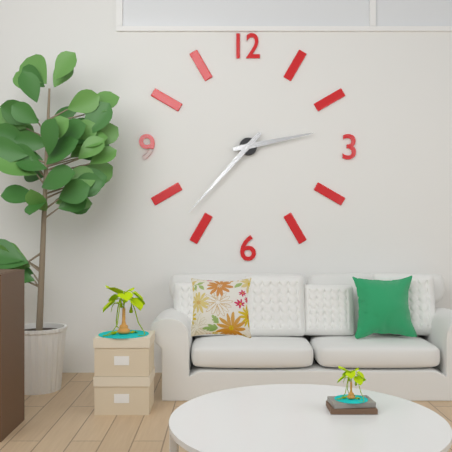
2h37
